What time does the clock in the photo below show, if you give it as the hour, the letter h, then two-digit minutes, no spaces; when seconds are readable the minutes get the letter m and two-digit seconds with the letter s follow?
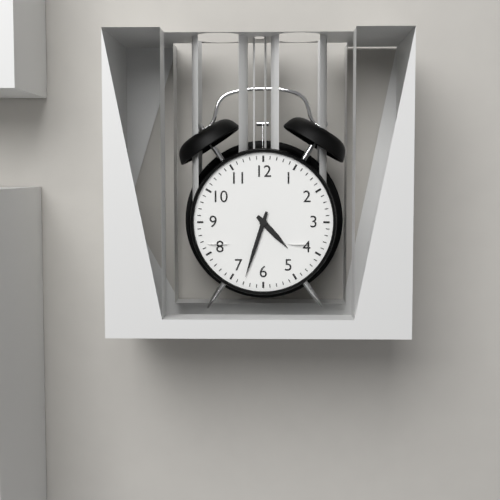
4h33
